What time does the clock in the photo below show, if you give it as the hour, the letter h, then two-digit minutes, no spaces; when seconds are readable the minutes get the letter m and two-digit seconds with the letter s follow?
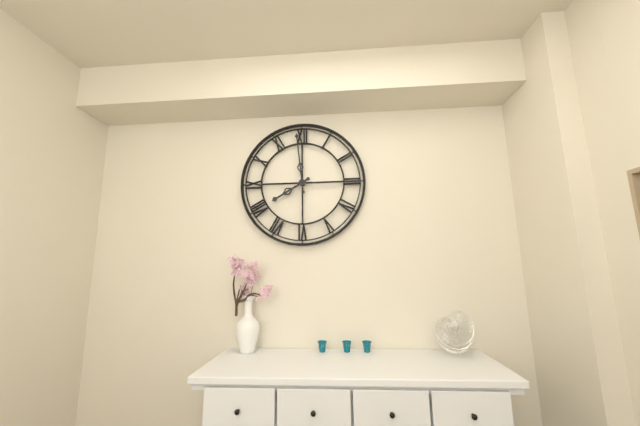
7h59
